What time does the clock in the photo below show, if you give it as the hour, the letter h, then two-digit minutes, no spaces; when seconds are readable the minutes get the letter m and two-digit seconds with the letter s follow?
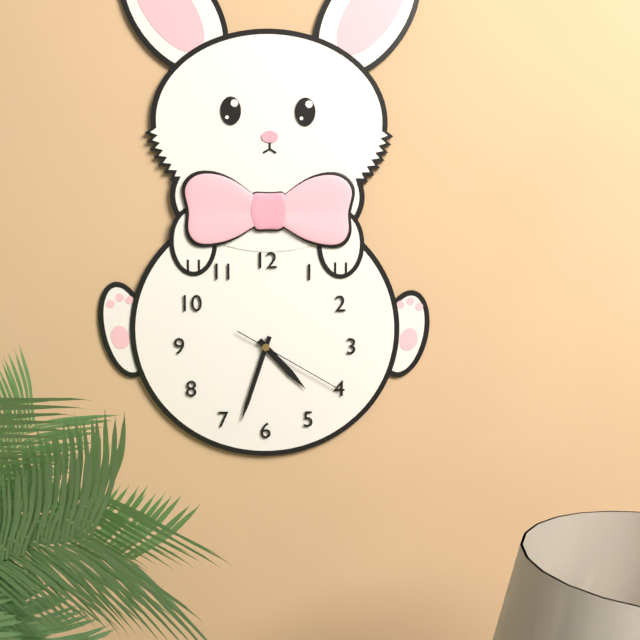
4h33m20s
